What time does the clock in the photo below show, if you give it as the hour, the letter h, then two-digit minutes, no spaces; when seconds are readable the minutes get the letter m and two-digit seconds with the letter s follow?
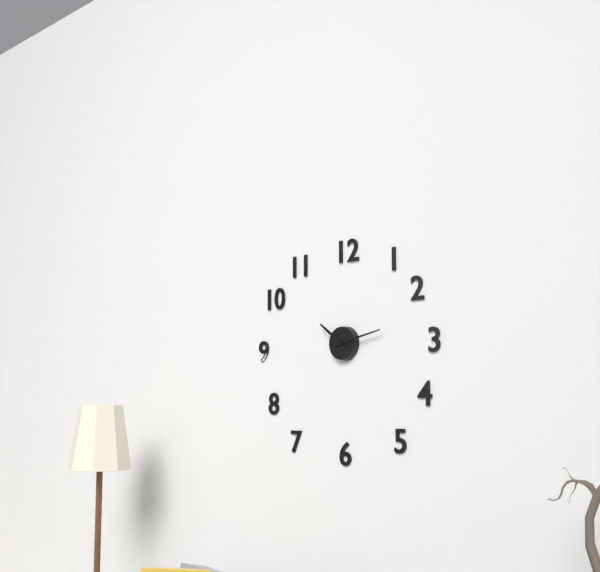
10h13
